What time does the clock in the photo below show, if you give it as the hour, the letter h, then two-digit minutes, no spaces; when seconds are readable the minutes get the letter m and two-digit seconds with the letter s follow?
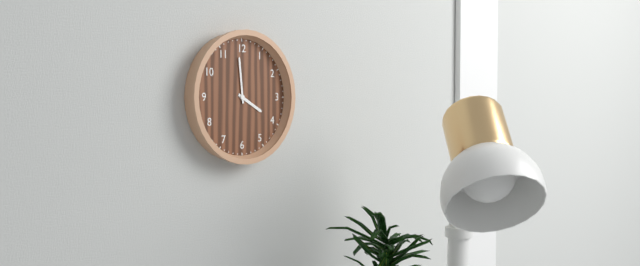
3h59
